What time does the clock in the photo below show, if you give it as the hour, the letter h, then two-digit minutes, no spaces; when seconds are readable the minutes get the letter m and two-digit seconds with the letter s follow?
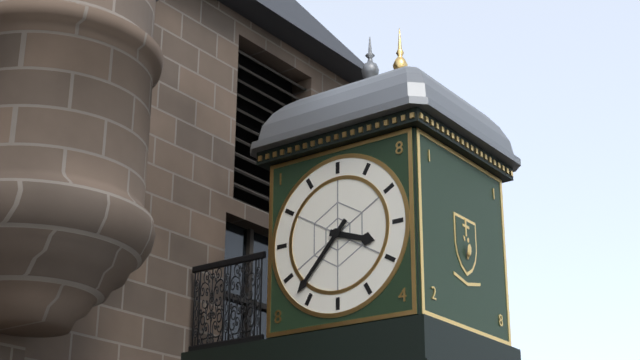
3h37
